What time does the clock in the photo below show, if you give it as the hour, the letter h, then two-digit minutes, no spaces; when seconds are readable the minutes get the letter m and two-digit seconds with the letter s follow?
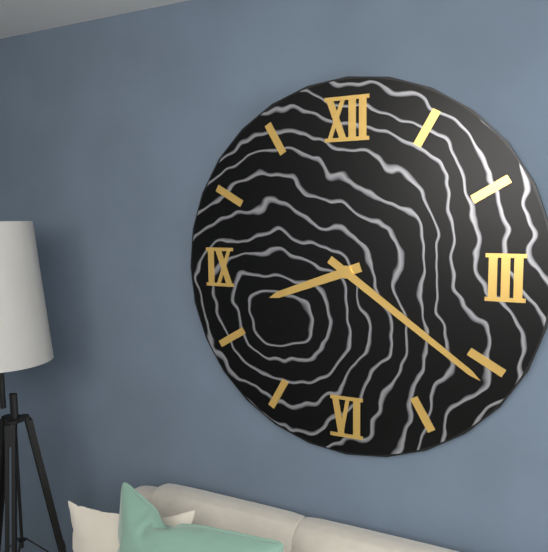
8h21
